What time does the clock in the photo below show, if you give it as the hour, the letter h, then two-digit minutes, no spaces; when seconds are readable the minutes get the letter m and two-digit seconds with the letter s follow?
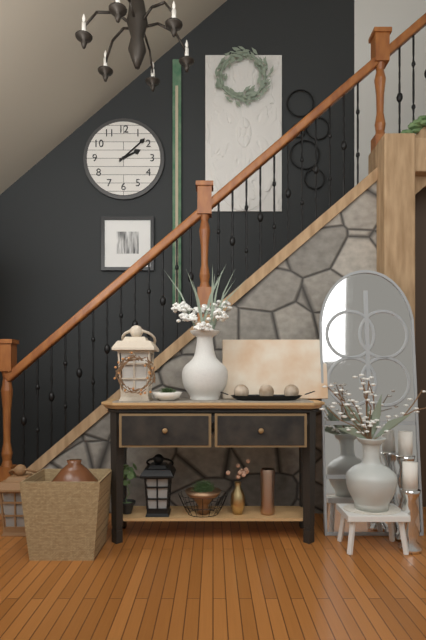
2h08
